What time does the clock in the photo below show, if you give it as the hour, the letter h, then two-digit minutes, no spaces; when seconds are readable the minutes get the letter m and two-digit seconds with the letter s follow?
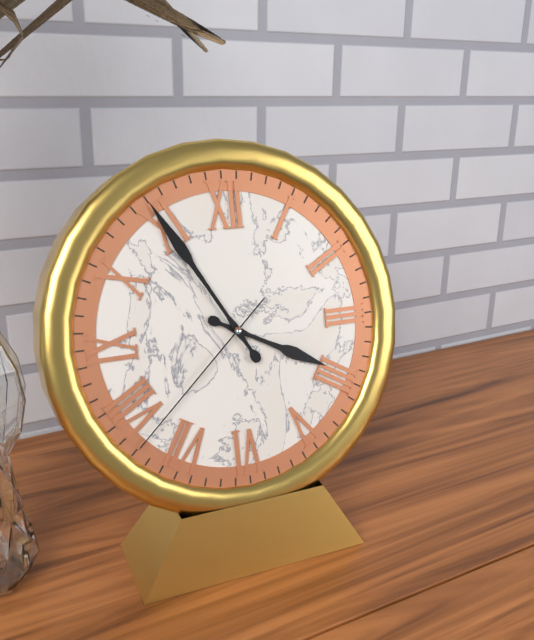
3h55m38s
